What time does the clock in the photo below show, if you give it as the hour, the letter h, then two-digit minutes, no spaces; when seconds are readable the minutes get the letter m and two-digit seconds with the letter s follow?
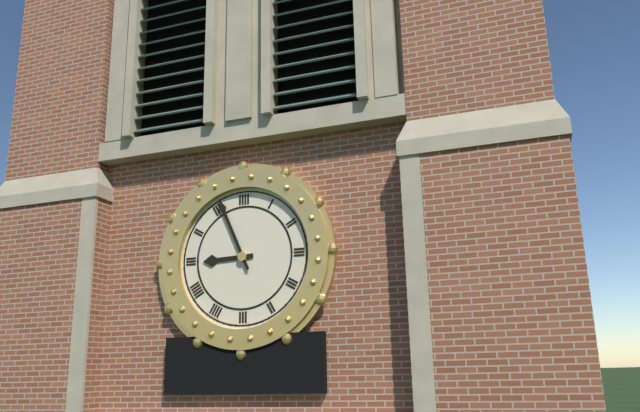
8h56
